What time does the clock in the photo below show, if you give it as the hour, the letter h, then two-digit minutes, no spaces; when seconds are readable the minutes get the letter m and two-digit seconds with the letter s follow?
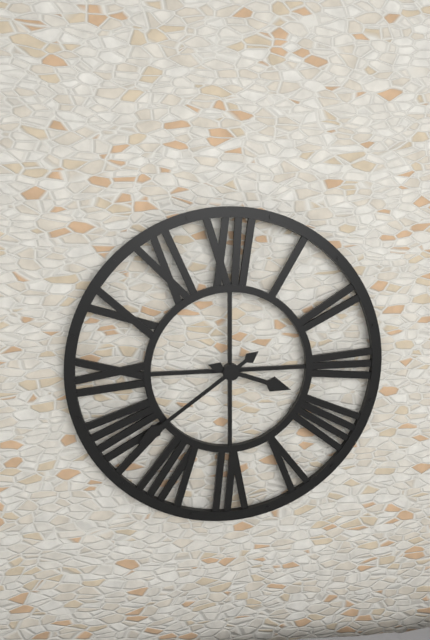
3h39
